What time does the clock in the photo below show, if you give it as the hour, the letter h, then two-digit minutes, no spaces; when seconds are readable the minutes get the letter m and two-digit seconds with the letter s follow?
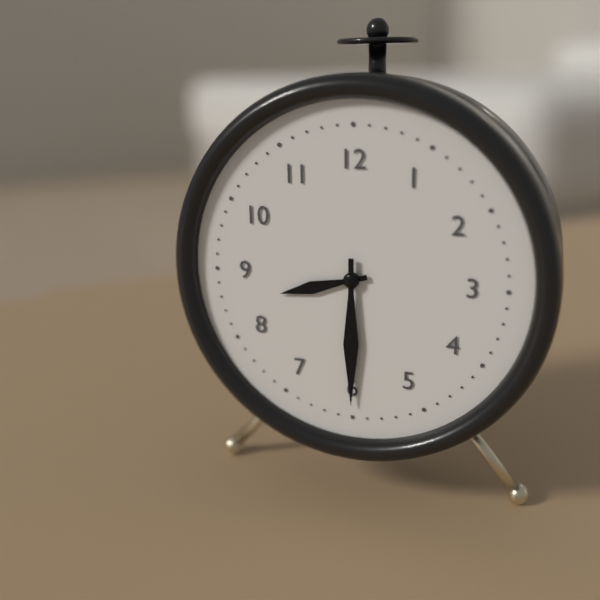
8h30
